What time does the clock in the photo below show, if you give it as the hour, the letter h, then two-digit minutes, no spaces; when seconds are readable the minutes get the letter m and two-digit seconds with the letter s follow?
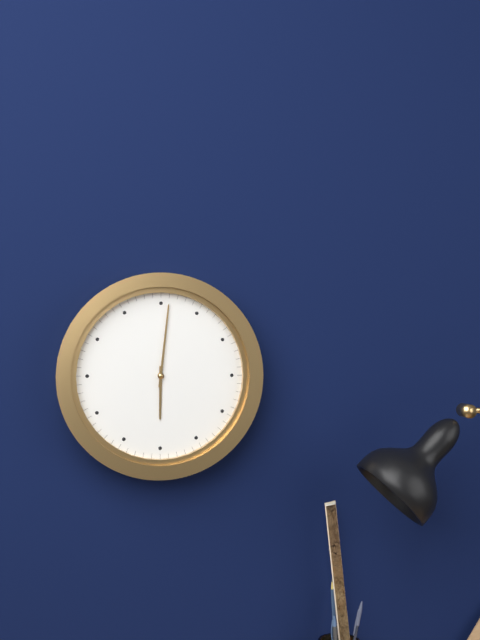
6h01
